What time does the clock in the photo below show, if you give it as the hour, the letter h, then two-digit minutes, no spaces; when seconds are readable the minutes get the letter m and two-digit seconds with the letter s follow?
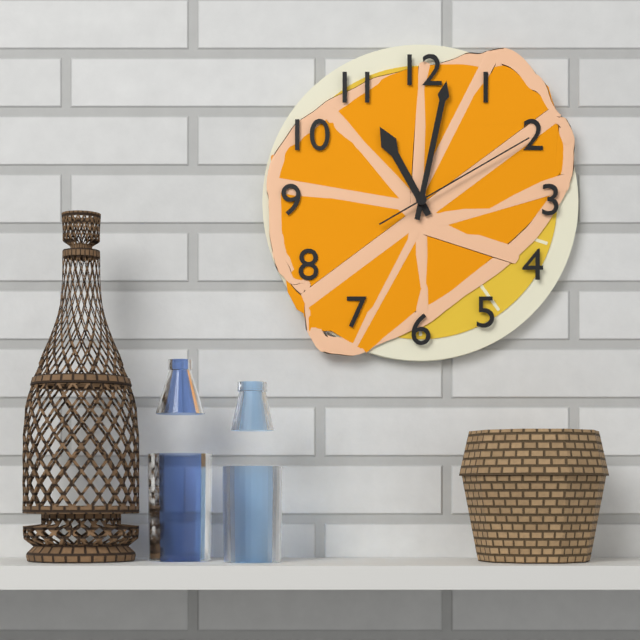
11h02m10s
